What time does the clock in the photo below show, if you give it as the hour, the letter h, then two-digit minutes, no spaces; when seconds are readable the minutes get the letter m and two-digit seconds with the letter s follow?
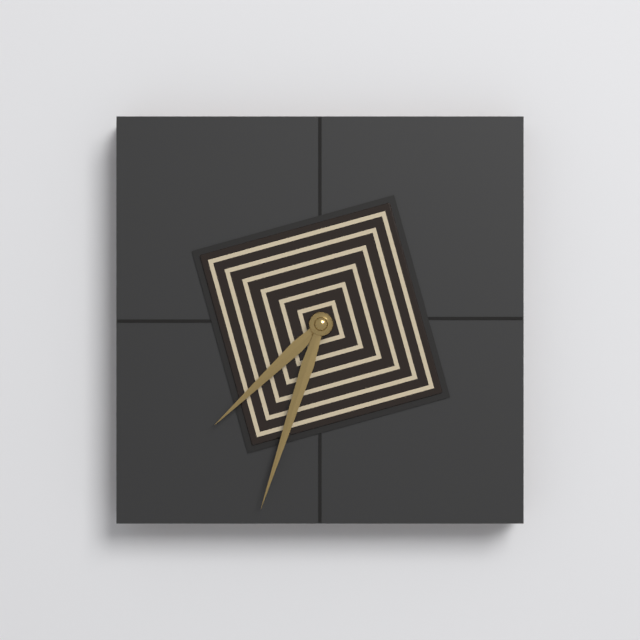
7h33
